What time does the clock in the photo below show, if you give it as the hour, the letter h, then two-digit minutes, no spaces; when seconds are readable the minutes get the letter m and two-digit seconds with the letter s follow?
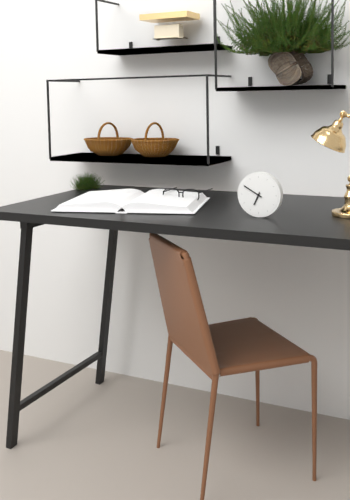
6h50
